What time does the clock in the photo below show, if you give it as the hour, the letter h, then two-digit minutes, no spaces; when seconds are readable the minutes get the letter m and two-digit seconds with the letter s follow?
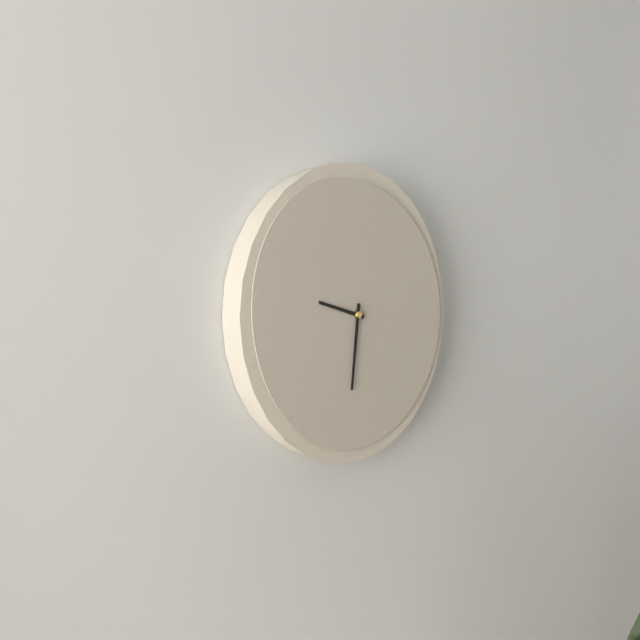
9h31
